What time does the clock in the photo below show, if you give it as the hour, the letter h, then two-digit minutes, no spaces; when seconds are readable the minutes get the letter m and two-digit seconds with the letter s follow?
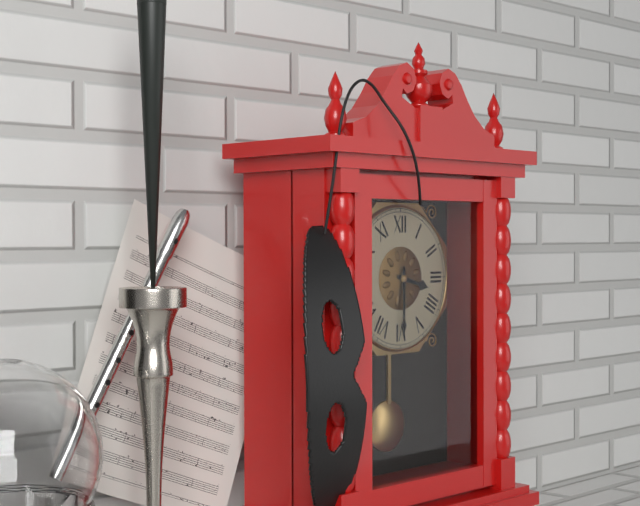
3h30
